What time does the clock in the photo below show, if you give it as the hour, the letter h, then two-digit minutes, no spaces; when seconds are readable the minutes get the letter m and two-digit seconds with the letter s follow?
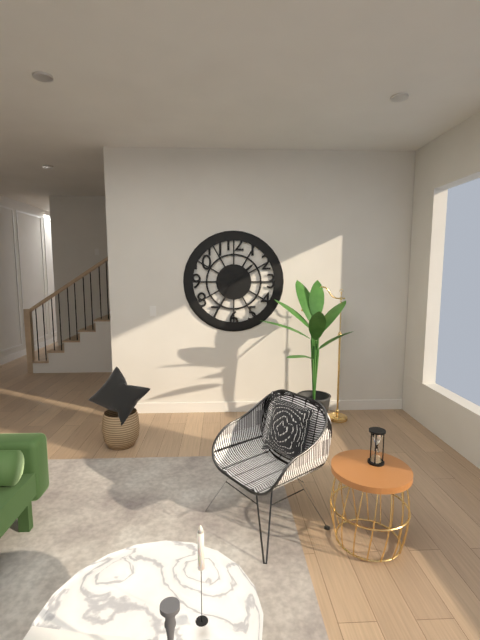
1h35
